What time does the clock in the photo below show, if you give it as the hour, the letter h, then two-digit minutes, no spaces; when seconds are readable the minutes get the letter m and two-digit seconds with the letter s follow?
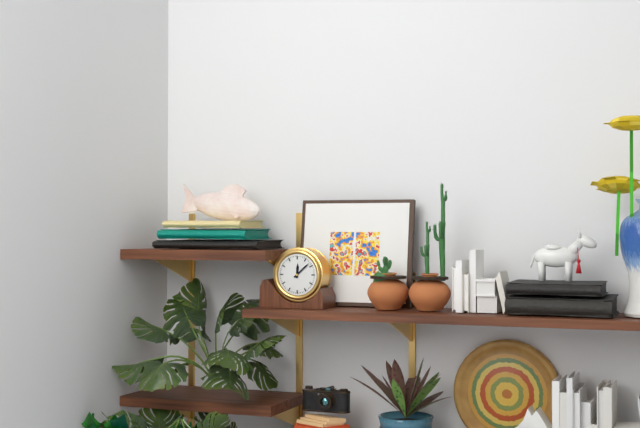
12h08
